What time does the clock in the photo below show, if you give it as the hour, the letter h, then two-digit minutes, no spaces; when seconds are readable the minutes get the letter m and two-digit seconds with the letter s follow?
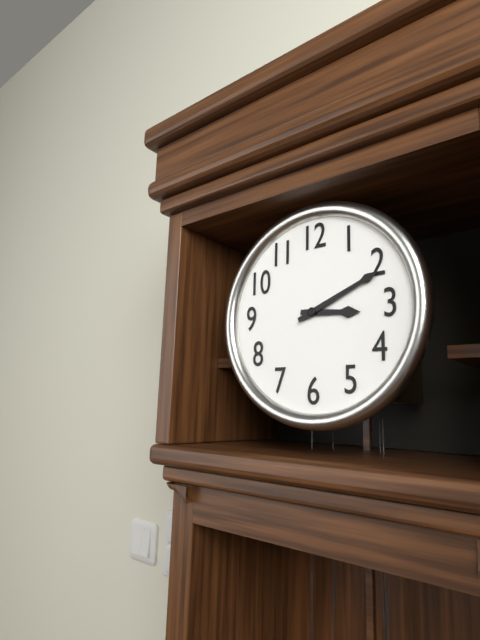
3h11
